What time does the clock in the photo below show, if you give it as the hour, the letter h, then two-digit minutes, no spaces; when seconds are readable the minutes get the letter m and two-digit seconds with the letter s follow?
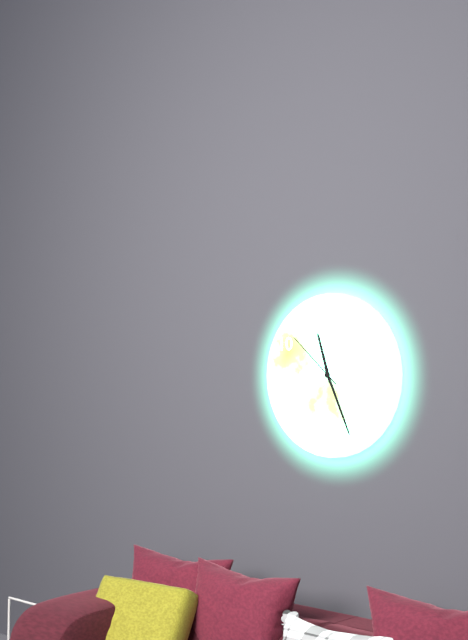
11h26m52s
